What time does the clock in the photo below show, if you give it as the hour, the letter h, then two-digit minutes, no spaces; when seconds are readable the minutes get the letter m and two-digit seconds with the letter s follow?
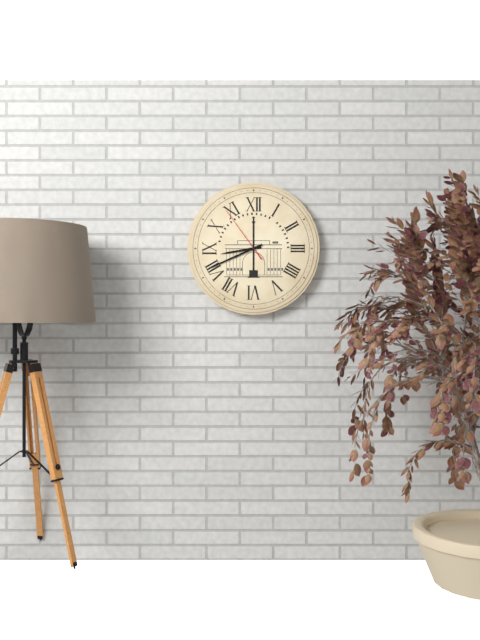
8h41m54s
